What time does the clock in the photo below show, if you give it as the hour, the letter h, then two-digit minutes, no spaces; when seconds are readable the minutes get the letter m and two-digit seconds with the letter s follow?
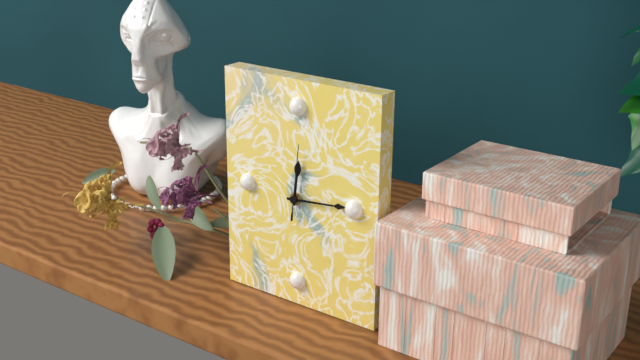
12h14m01s
